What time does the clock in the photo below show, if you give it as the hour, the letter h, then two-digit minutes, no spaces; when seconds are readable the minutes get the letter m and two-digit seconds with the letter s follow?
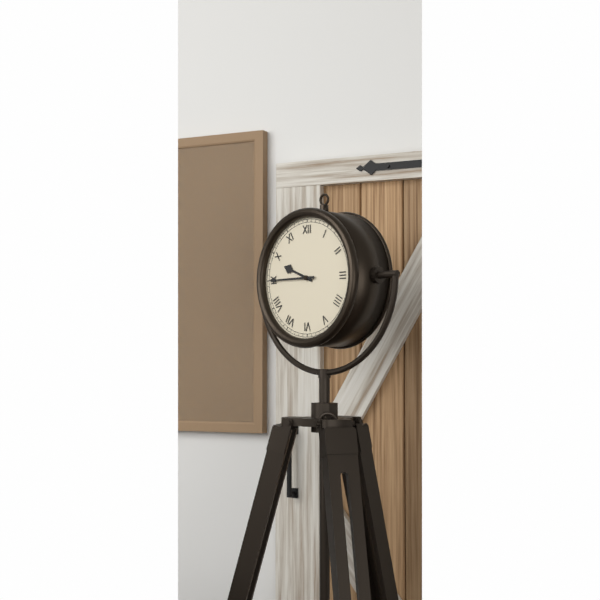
9h45
